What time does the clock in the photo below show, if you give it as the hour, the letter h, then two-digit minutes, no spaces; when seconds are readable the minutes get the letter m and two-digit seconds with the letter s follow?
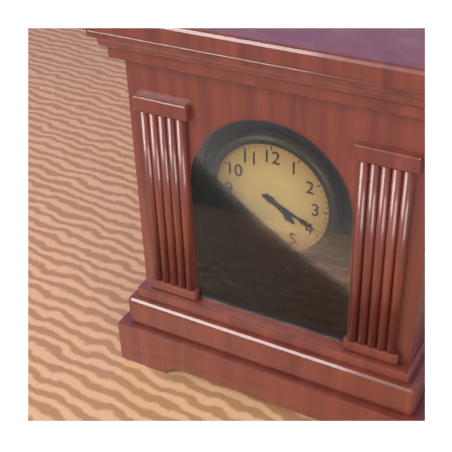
4h19
